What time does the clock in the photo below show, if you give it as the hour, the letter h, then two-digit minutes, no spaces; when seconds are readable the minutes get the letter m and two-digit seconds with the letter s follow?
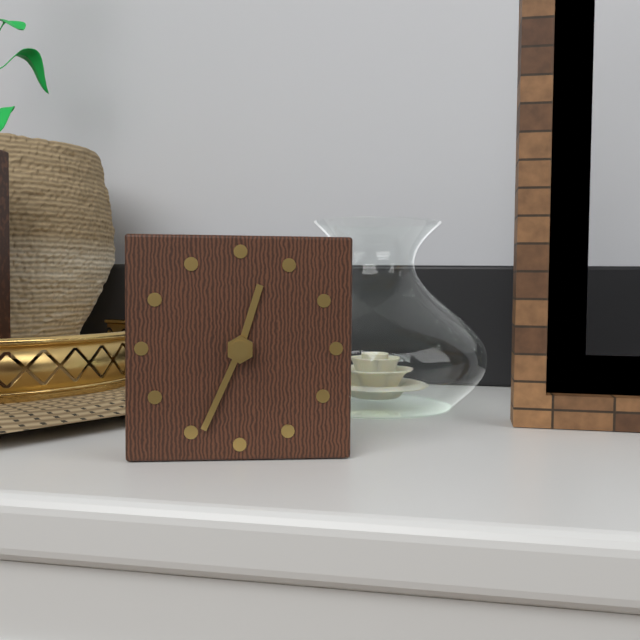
12h34
